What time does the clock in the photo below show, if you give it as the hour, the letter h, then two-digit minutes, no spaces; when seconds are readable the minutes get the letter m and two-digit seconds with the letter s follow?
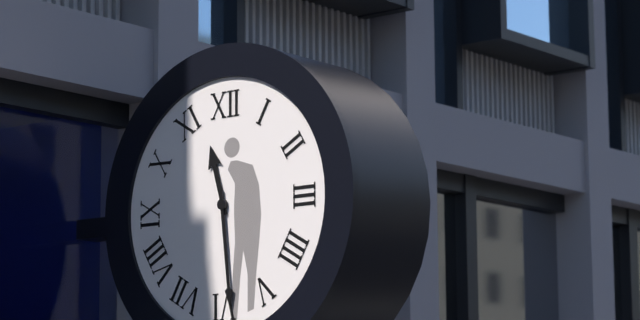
11h29
